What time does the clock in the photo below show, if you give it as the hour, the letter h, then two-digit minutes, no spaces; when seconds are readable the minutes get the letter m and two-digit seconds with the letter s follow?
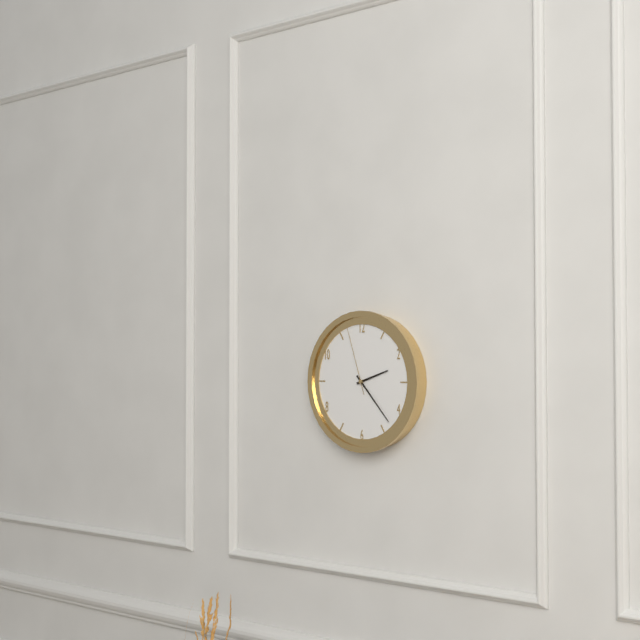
2h23m57s
